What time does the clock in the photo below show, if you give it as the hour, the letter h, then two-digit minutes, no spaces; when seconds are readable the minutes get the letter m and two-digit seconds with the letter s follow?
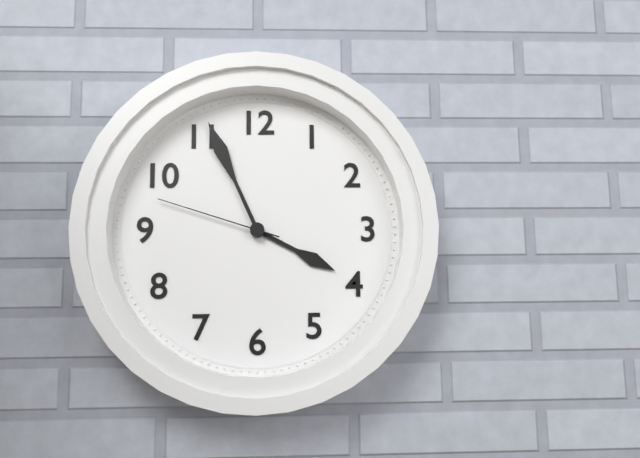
3h56m48s
